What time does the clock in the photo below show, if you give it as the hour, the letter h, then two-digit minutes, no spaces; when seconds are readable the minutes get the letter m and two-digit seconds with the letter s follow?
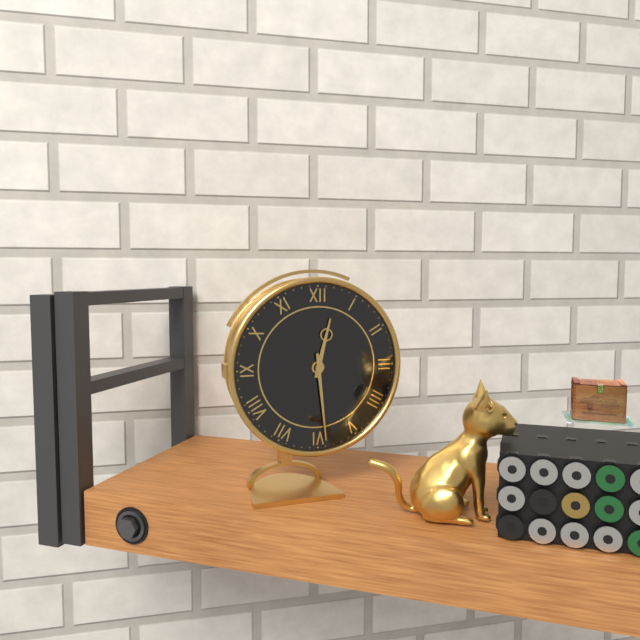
12h29
